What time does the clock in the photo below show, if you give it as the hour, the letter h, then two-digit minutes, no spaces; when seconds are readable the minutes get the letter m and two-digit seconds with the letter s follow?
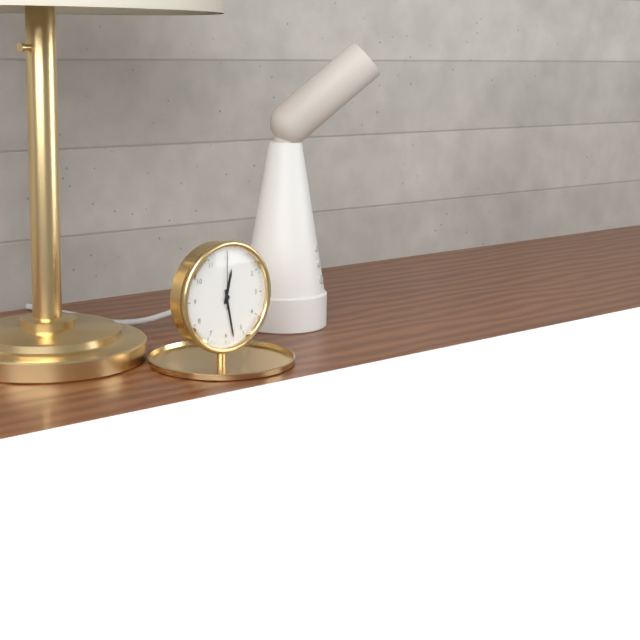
12h28m00s
